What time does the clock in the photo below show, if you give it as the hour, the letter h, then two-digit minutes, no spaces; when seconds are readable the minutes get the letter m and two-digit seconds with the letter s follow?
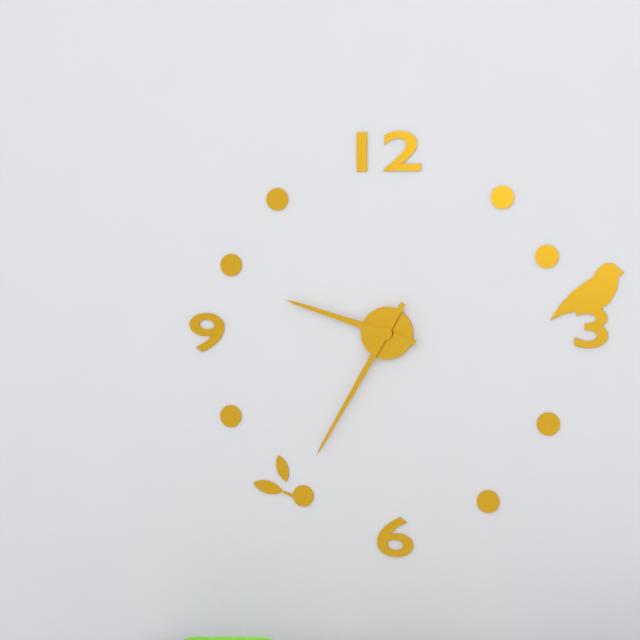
9h35
